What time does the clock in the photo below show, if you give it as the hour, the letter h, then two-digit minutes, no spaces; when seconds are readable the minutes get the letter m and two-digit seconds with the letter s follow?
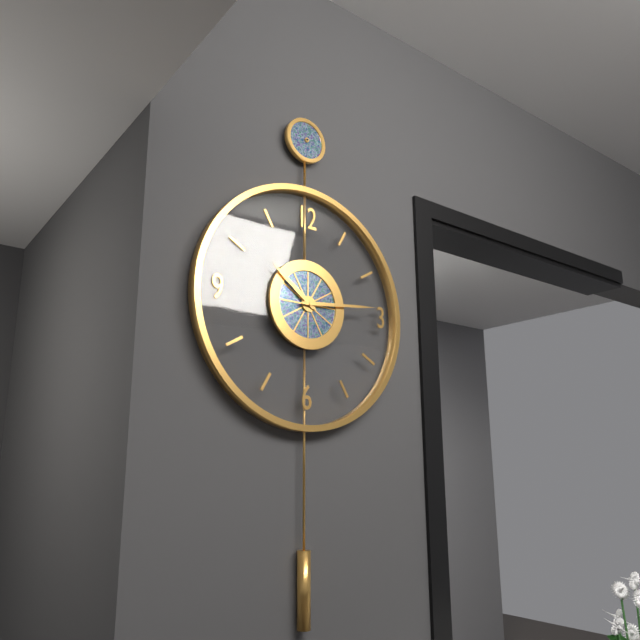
10h14
